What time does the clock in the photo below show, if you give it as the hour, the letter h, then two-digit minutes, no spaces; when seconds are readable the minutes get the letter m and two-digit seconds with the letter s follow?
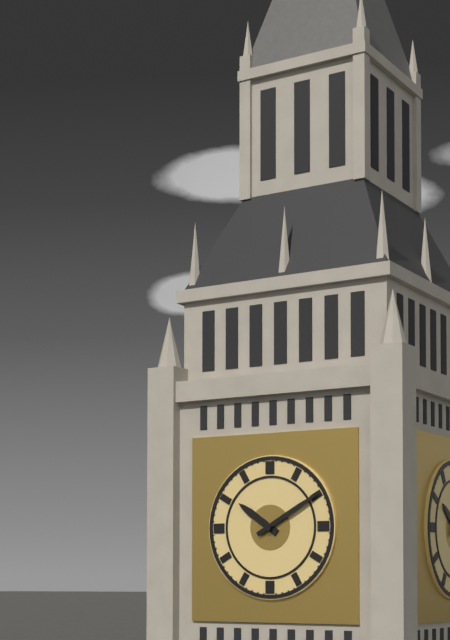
10h10
